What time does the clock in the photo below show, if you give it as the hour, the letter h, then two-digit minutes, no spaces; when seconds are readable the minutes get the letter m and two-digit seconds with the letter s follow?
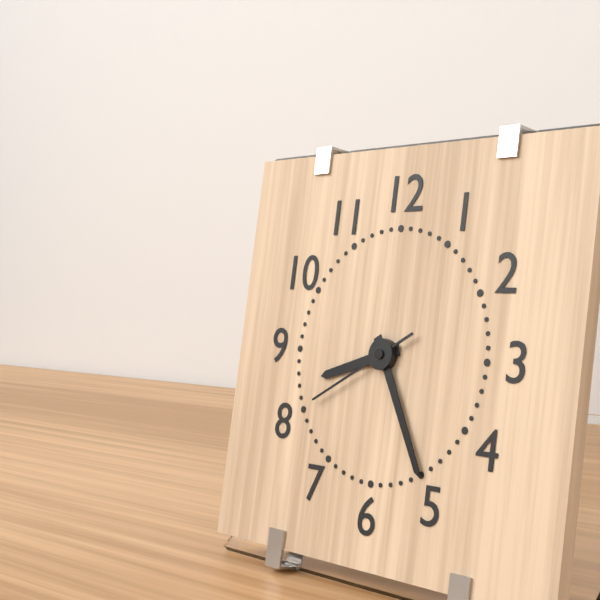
8h25m40s
